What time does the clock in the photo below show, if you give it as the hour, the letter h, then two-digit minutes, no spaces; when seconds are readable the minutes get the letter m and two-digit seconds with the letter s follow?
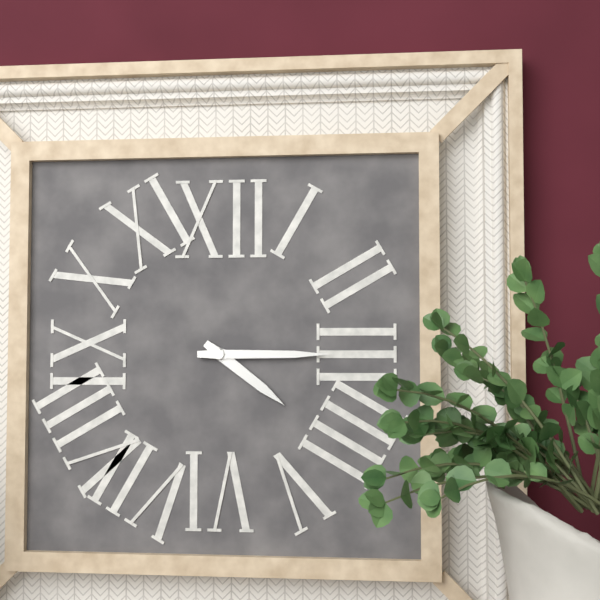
4h15
